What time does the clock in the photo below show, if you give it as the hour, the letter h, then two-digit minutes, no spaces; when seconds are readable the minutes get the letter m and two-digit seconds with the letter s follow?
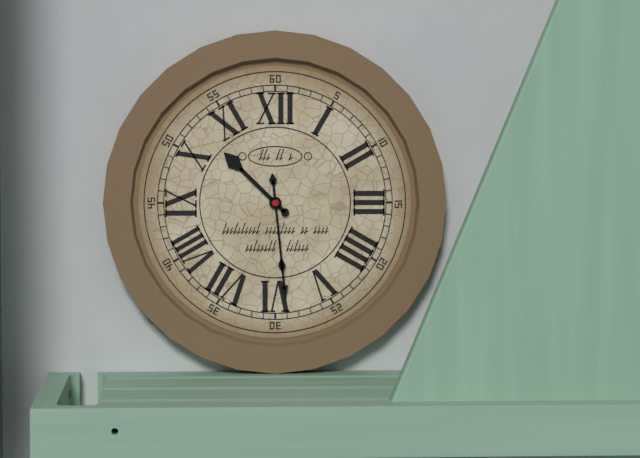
10h29
